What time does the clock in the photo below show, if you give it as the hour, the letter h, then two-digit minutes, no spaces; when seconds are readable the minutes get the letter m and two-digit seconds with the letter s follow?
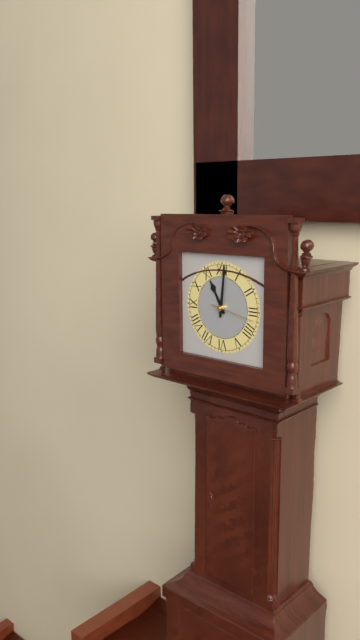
11h01
